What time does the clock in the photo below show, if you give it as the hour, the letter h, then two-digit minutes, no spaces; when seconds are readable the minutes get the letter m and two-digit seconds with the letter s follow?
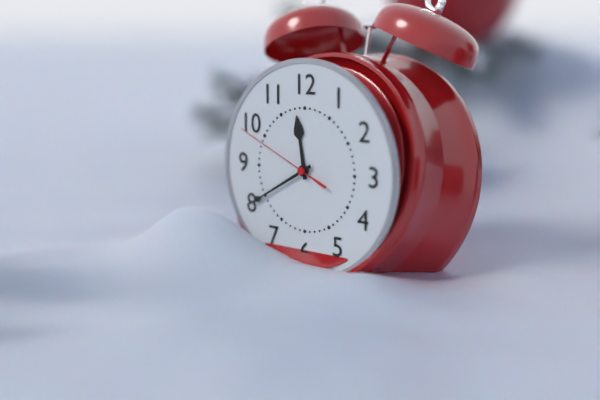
11h40m49s
